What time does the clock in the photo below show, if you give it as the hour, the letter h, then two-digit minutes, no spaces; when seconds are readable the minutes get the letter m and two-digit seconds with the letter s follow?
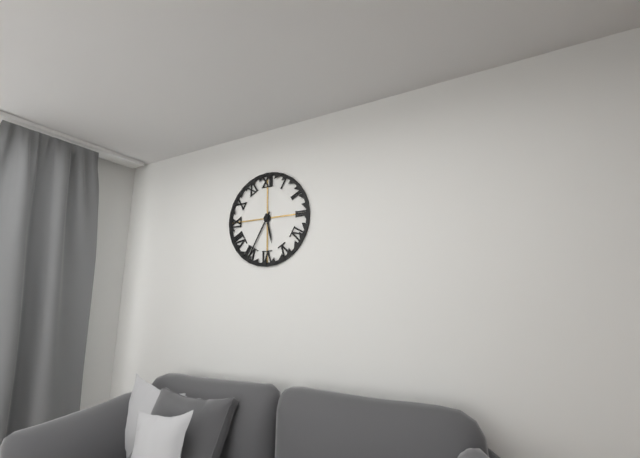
5h35
